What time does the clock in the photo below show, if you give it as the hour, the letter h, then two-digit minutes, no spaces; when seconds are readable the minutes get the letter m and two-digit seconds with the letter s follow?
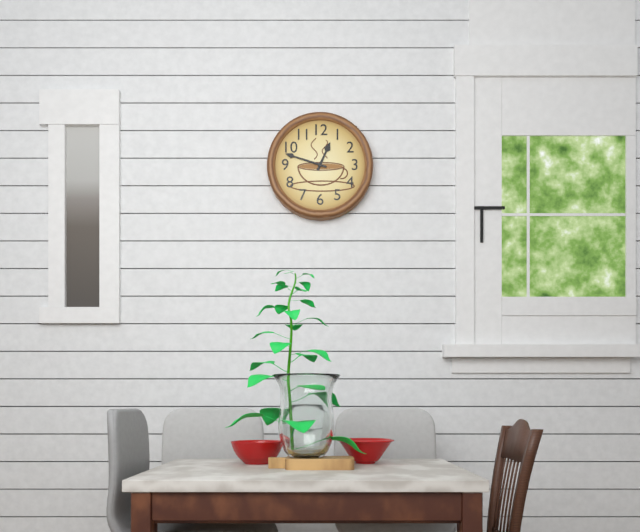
12h48
